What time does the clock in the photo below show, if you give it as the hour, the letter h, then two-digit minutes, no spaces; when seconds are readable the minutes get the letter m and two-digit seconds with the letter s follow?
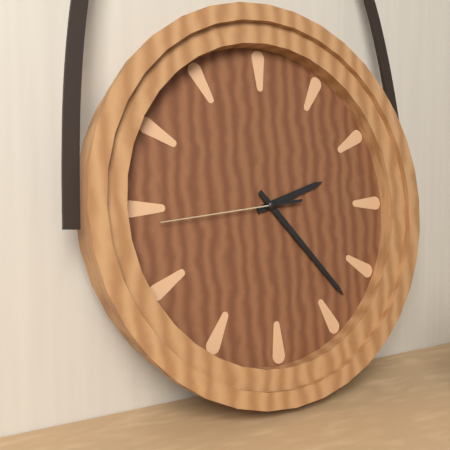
2h23m44s
